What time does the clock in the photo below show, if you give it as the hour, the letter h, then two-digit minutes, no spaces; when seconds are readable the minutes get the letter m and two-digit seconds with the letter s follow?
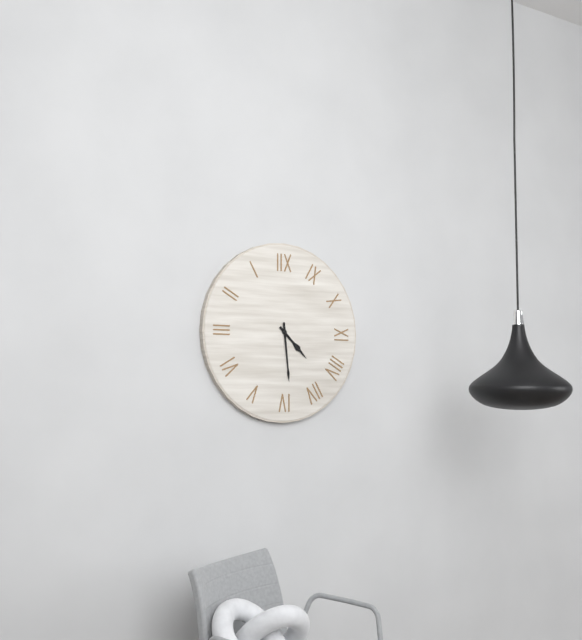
4h29
